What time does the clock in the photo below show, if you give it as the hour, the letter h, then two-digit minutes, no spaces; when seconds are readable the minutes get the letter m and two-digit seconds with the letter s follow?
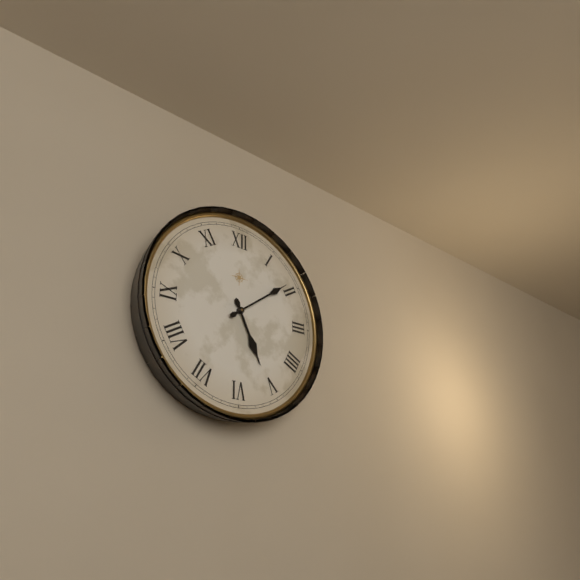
5h09
